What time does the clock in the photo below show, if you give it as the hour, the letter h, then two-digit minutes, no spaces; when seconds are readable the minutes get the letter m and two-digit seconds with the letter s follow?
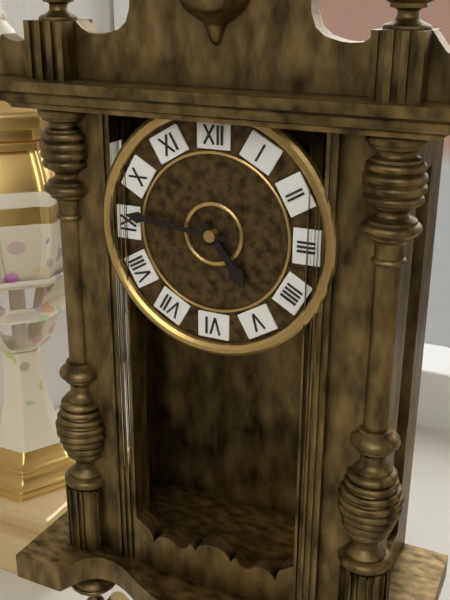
4h46
